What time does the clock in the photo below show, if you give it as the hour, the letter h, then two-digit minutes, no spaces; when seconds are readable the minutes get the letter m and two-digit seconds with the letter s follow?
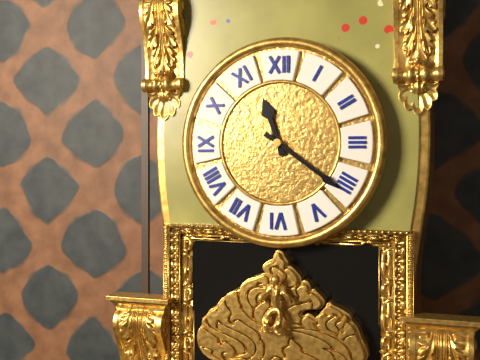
11h21
